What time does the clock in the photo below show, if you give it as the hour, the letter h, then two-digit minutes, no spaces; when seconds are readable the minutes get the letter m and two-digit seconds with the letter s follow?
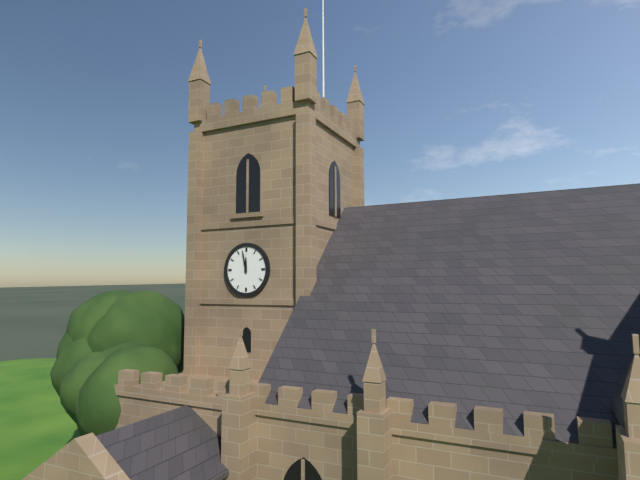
11h58
